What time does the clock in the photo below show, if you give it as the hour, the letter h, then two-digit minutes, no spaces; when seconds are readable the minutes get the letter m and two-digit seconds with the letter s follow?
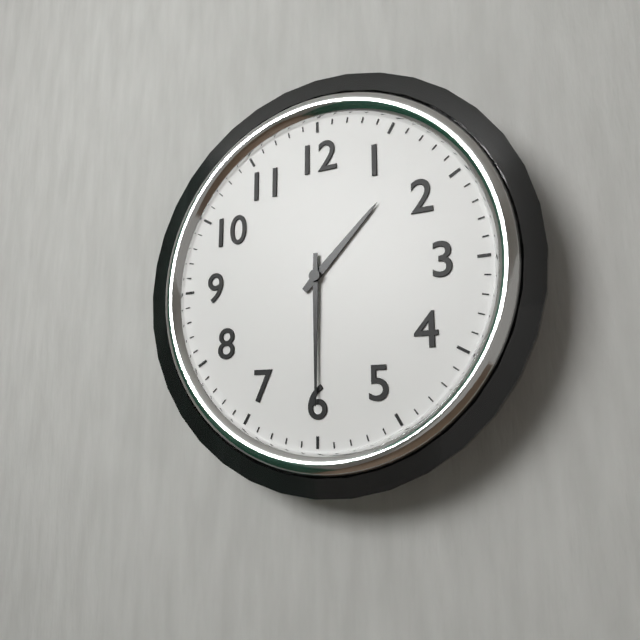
1h30
